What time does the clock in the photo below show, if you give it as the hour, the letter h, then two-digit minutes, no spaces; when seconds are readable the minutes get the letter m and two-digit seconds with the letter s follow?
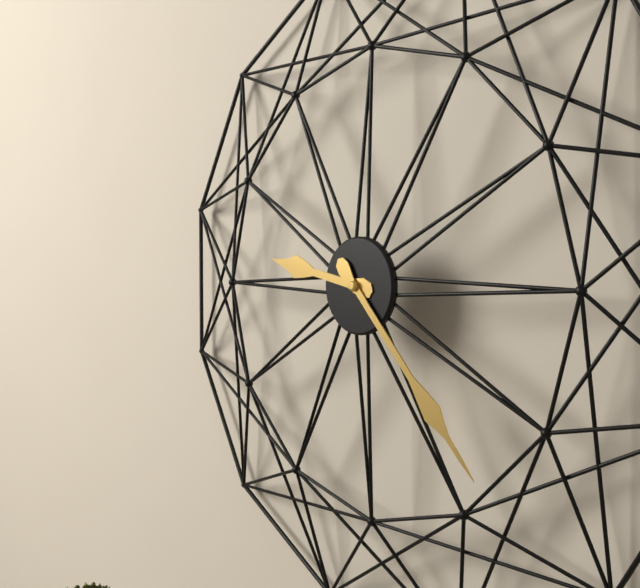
9h23
